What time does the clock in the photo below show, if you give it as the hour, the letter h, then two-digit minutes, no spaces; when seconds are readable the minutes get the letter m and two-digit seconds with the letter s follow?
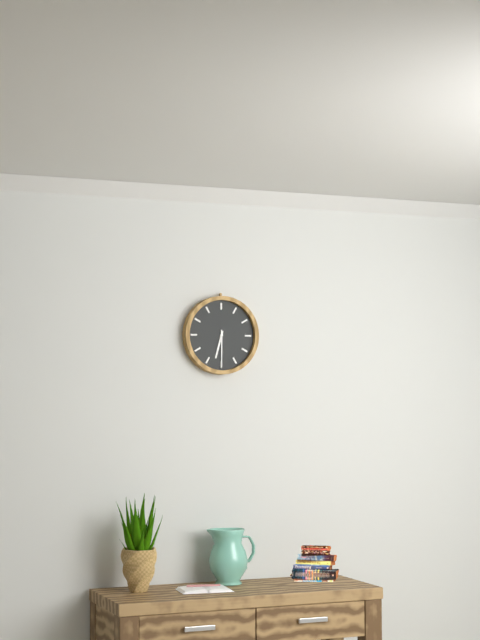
6h30
